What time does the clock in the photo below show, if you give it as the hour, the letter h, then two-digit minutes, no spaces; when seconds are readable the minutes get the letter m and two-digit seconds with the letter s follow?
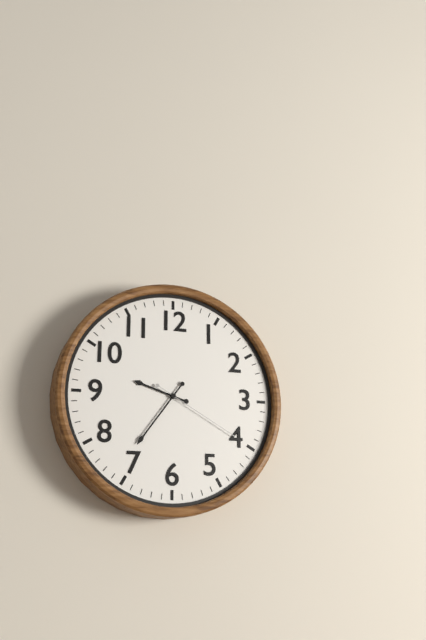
9h36m20s
